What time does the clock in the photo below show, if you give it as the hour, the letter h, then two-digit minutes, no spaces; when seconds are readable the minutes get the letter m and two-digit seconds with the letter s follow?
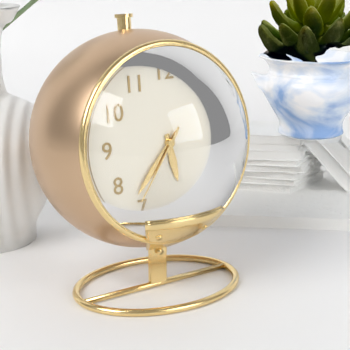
5h37m36s
